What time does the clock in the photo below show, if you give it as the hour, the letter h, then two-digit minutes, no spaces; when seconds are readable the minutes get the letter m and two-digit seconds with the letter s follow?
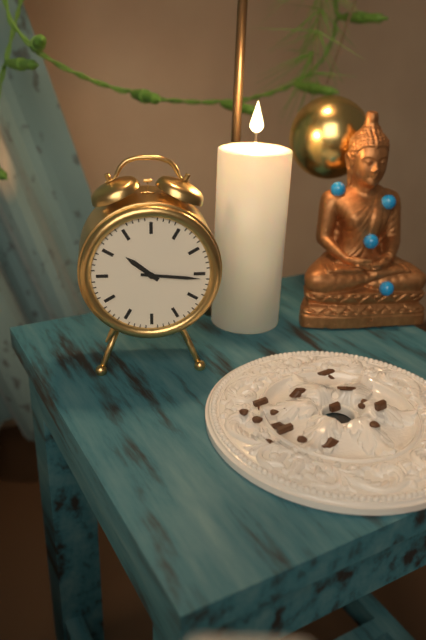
10h16
